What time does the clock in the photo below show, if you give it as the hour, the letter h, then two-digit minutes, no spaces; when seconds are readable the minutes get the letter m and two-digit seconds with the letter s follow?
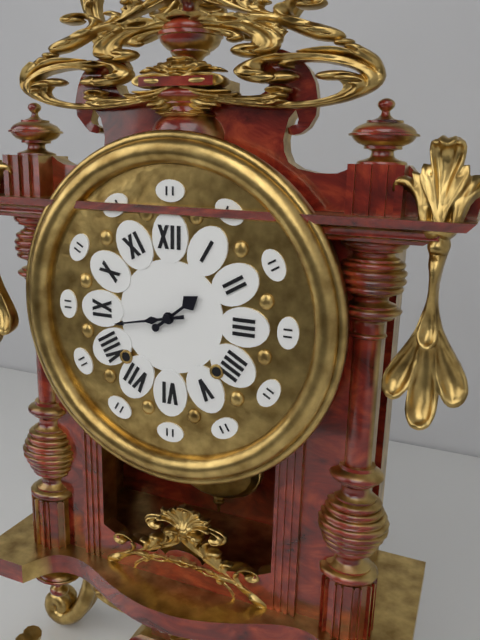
1h43
